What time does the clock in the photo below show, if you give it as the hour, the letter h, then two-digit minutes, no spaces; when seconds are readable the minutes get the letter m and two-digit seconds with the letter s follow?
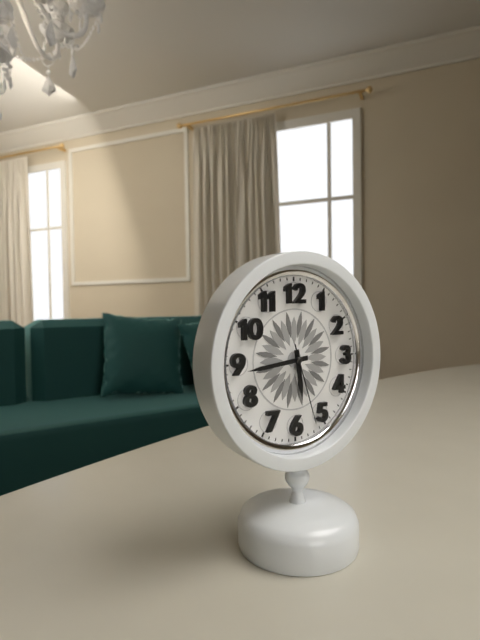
5h44m27s
